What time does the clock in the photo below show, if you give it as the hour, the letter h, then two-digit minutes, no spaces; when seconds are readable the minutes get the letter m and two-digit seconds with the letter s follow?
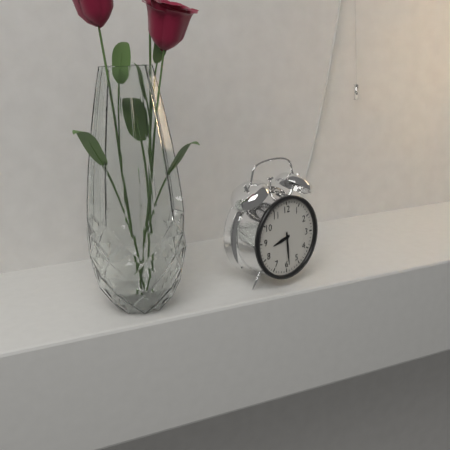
8h29
